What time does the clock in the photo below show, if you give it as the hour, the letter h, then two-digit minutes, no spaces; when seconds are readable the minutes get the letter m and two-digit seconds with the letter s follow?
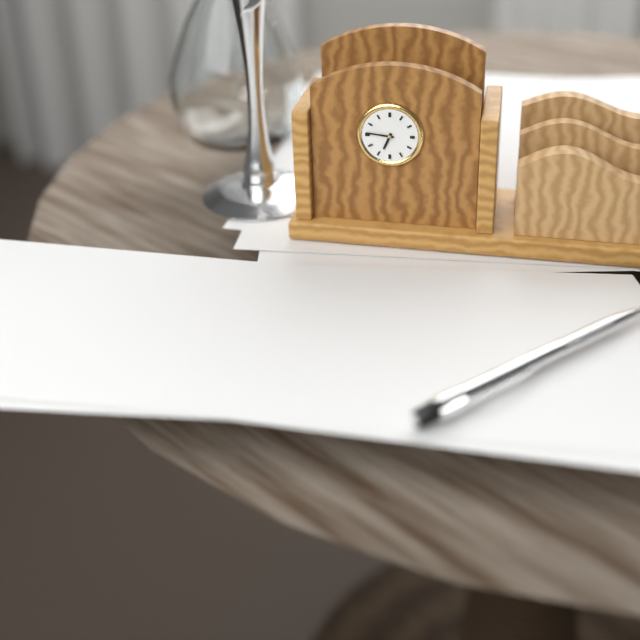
6h46
